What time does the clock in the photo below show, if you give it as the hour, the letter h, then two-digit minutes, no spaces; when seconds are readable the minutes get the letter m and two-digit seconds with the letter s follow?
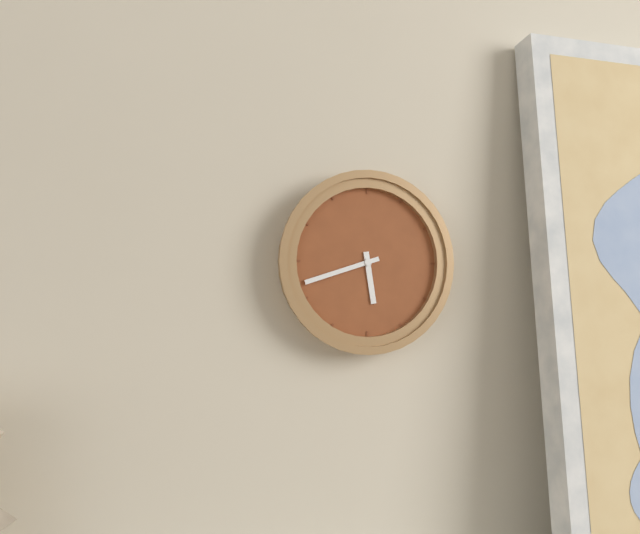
5h42
